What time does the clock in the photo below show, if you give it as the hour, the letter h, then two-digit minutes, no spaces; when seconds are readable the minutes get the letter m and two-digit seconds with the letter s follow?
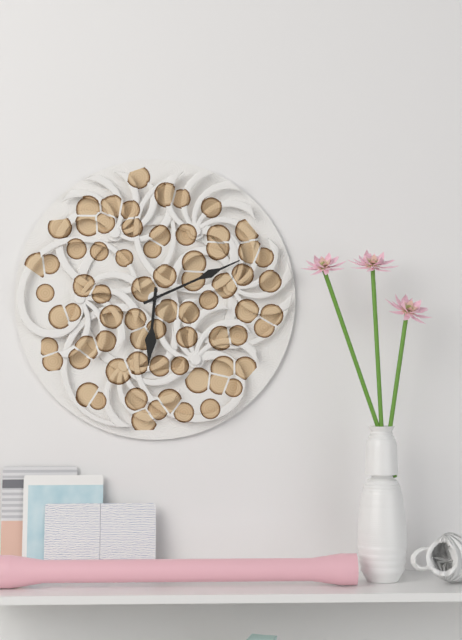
6h11
